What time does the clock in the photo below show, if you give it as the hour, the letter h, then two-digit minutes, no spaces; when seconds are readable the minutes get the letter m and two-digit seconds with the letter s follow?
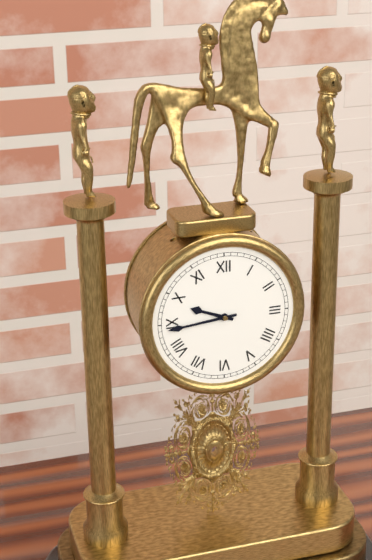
9h44
